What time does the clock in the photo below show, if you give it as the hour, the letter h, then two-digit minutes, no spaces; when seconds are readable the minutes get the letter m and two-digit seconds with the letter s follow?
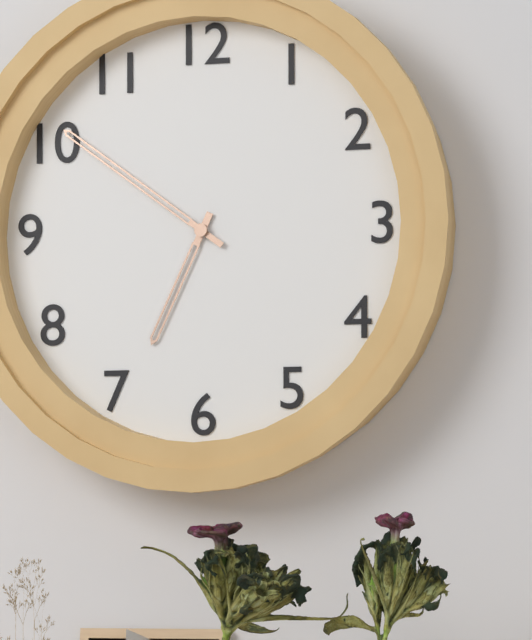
6h51
